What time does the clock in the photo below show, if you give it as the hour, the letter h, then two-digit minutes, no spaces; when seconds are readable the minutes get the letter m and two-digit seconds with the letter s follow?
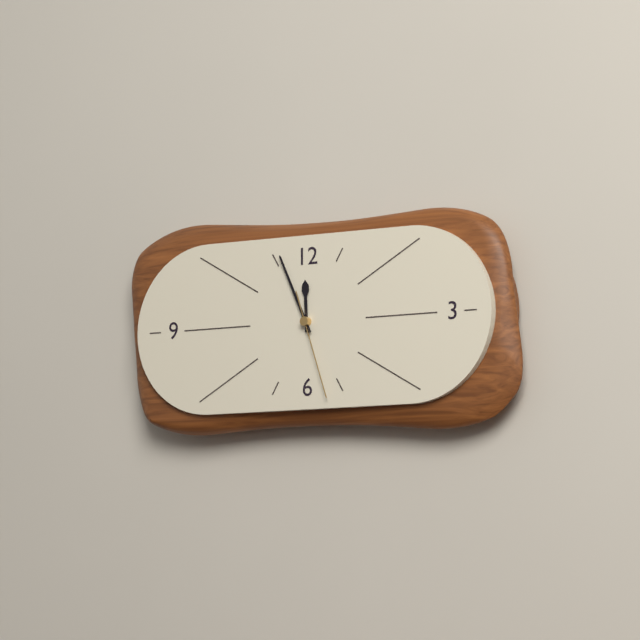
11h56m27s
